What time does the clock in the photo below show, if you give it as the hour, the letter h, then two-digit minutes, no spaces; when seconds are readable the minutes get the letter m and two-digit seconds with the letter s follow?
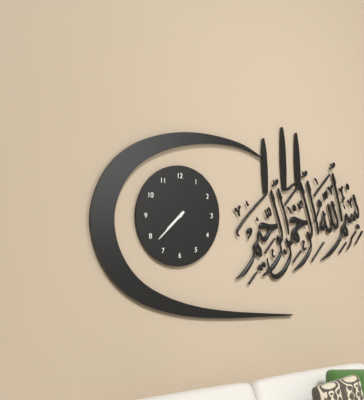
7h38
